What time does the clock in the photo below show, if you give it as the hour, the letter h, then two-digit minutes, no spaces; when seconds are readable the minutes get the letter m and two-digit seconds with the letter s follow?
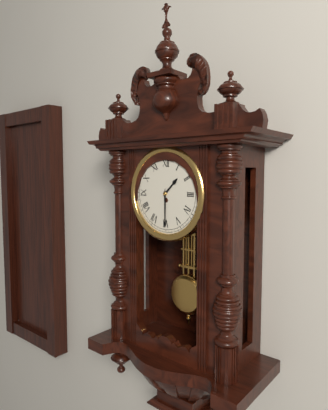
1h30
